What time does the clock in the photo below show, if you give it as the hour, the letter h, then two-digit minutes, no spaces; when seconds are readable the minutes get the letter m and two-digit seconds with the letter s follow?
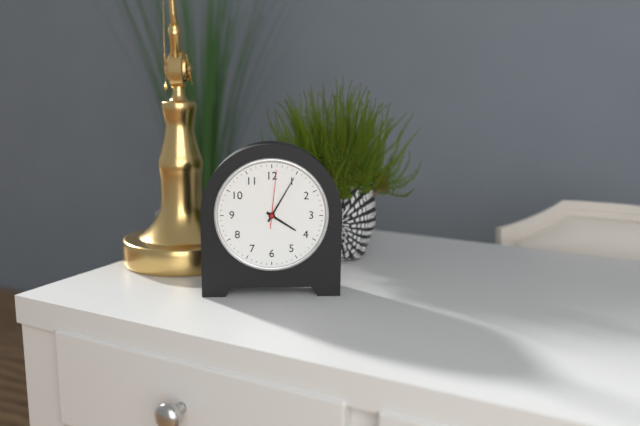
4h05m01s
